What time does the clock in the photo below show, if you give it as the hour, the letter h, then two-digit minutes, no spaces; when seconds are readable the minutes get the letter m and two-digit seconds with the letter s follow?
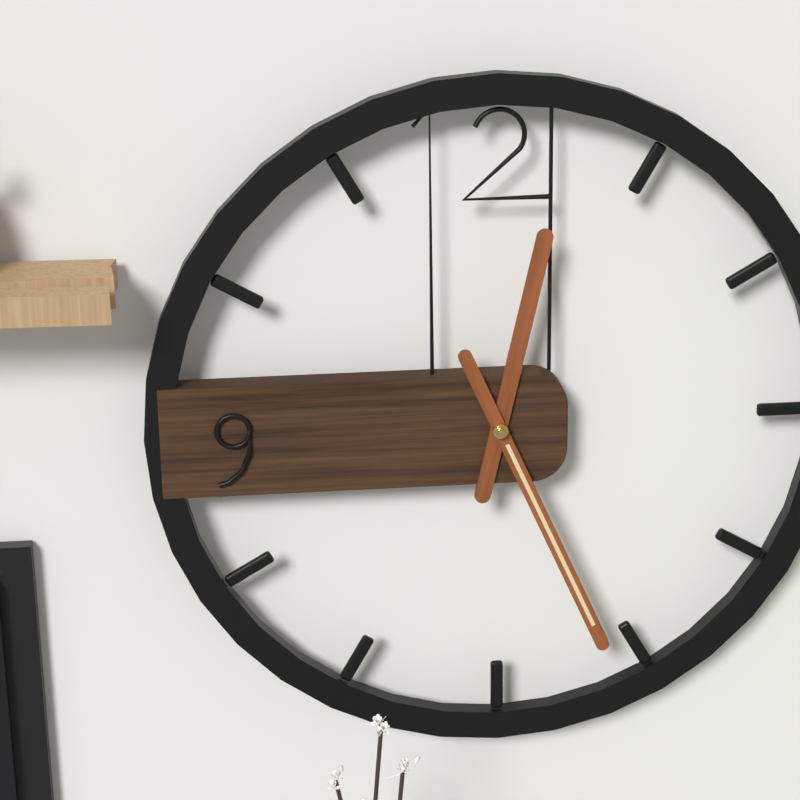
12h26
